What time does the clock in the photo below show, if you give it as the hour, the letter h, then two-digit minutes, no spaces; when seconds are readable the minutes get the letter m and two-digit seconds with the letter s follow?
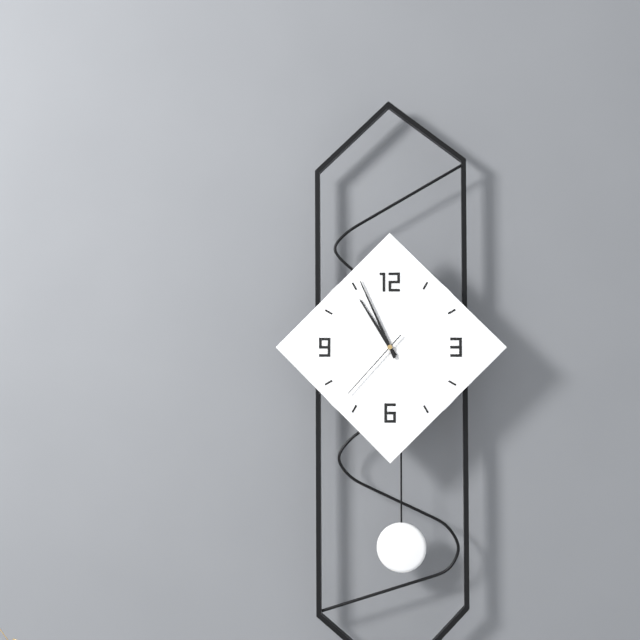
10h56m37s
